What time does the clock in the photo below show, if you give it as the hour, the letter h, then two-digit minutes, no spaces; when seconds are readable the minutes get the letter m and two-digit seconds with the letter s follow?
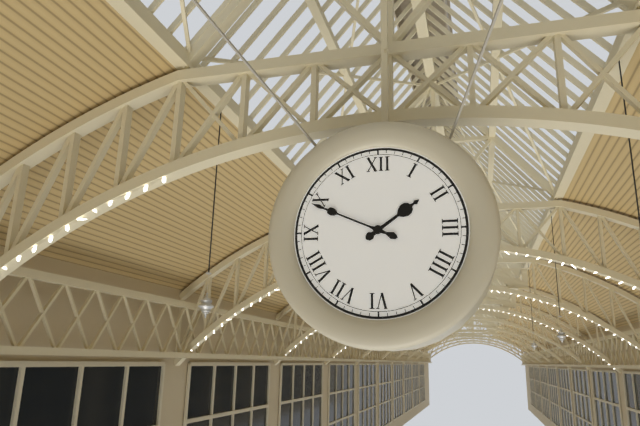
1h49
